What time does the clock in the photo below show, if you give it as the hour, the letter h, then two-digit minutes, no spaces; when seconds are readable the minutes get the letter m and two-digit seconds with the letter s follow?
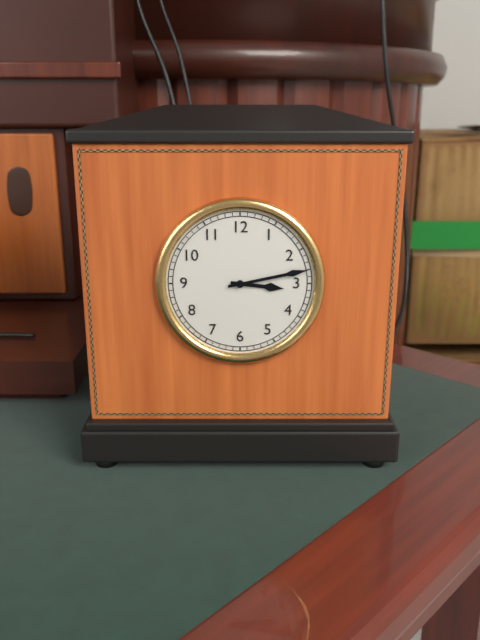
3h13
